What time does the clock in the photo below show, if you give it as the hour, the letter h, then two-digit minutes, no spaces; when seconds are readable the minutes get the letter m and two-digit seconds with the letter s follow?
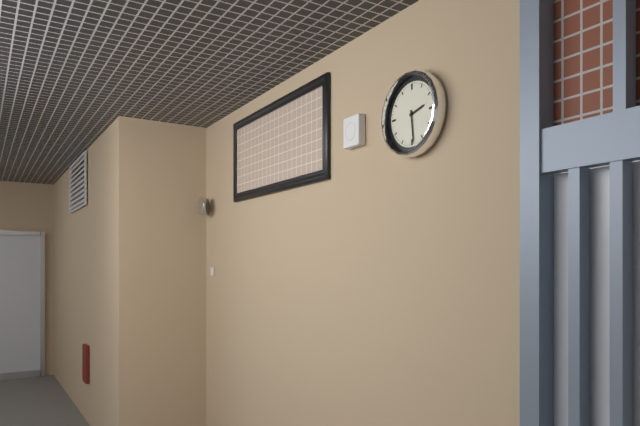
2h29
